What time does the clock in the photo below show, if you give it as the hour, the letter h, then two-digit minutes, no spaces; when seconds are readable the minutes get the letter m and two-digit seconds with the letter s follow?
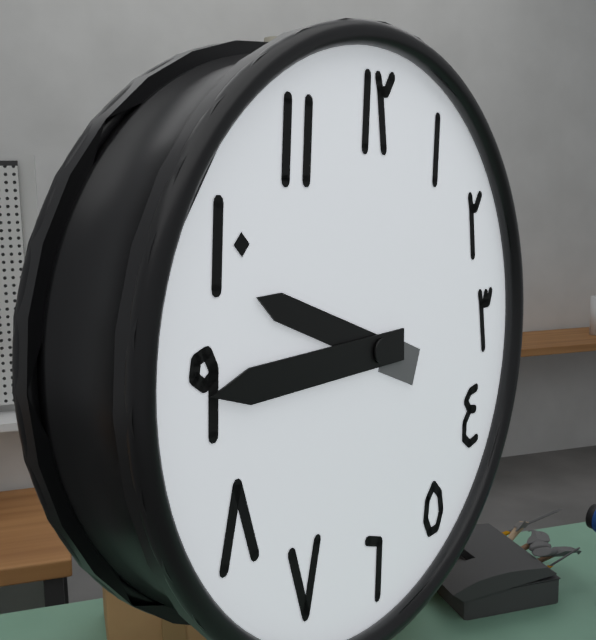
9h45
